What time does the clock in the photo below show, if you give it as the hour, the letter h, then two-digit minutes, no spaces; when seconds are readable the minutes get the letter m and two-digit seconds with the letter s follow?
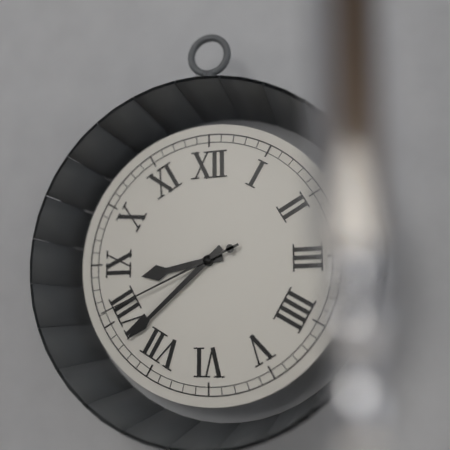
8h38m41s
